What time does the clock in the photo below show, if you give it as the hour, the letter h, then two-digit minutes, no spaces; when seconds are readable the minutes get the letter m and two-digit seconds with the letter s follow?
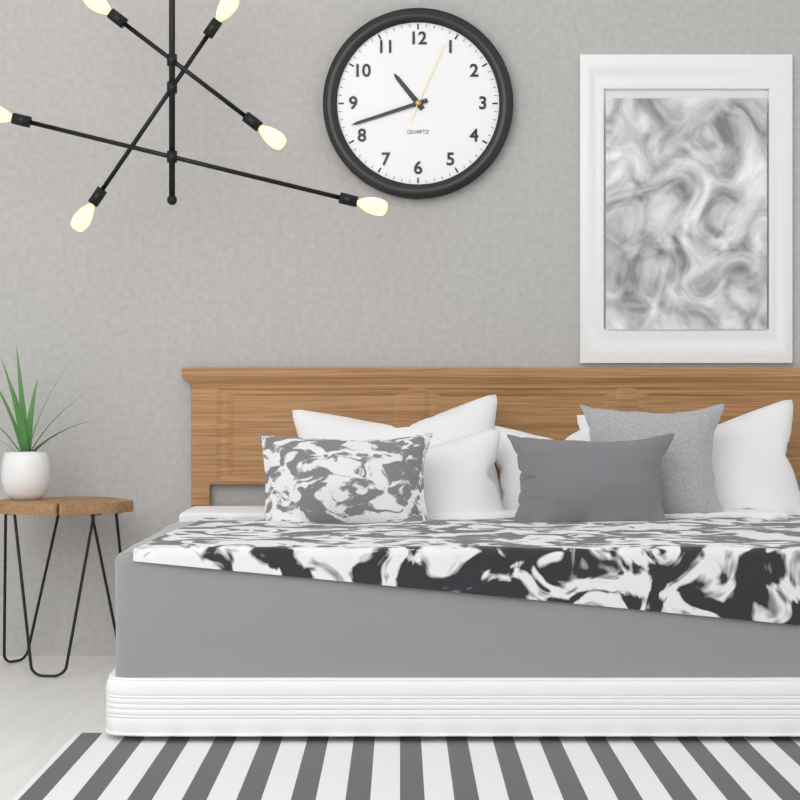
10h42m04s
